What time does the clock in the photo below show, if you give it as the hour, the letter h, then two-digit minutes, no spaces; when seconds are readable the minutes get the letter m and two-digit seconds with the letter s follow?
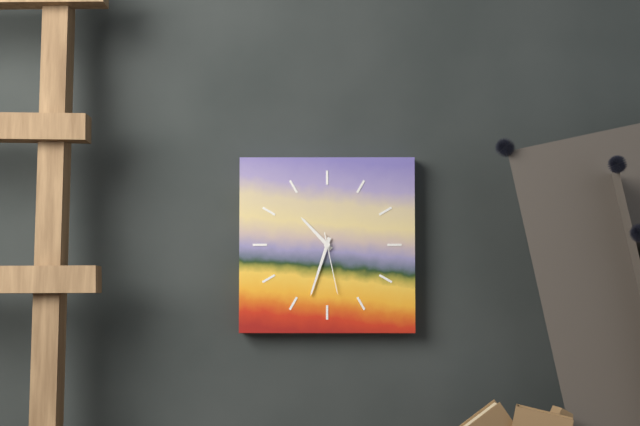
10h33m28s
